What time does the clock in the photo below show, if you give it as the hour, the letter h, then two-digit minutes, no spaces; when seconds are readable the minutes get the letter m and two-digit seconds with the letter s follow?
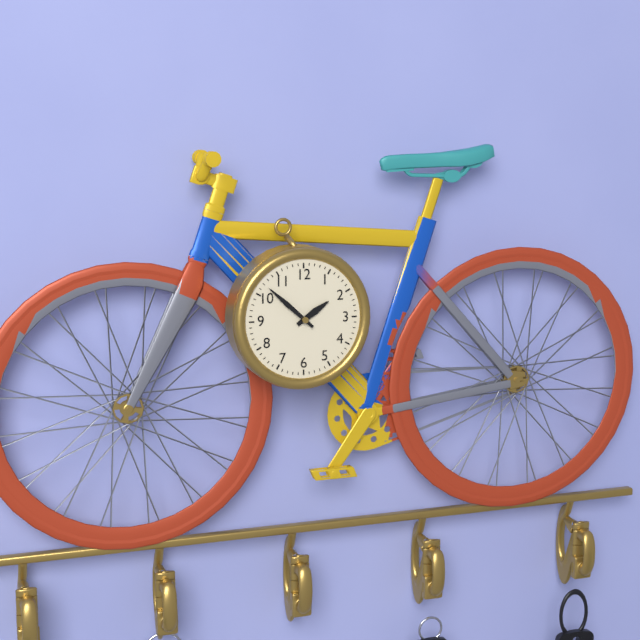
1h52
